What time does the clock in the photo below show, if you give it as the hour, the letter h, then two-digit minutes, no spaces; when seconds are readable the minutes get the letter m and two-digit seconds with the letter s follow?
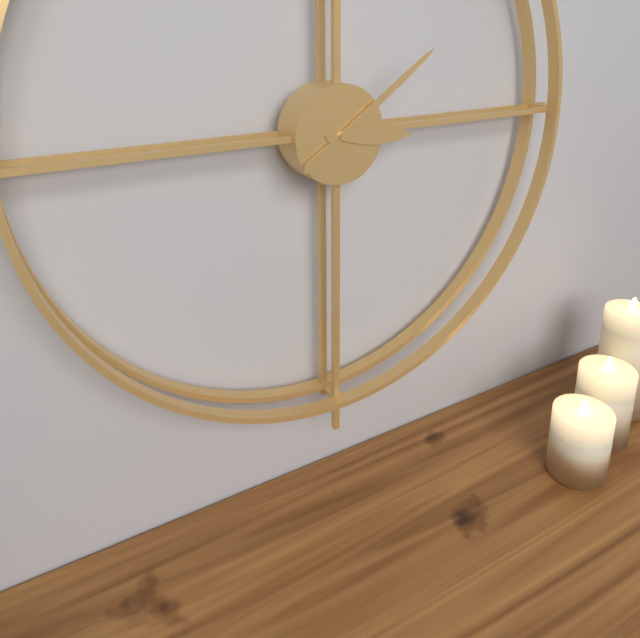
3h09
